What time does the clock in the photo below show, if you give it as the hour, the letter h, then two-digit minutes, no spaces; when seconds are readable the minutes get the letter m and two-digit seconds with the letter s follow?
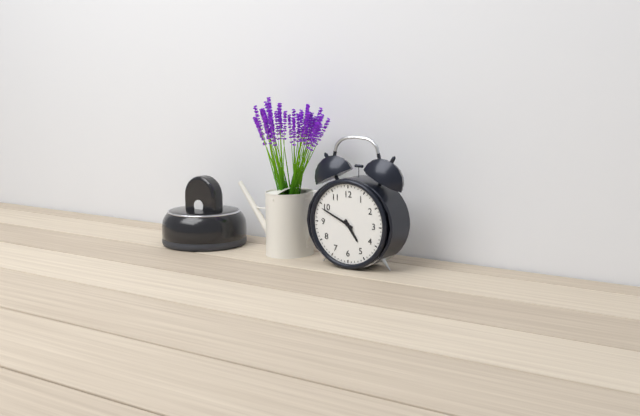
4h49
